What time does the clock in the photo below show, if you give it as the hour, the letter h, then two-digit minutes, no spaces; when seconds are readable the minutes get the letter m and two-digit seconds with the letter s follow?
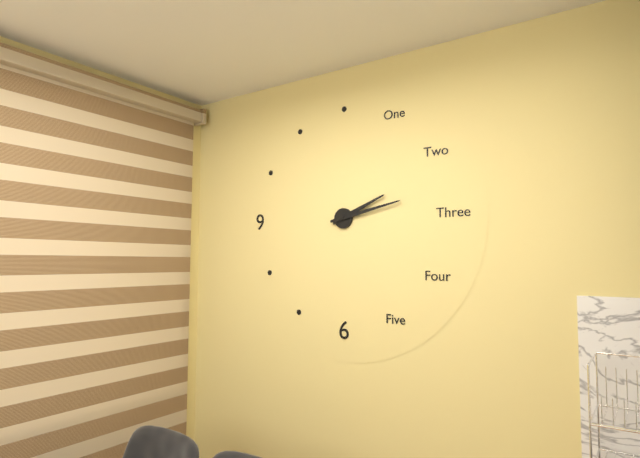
2h13
